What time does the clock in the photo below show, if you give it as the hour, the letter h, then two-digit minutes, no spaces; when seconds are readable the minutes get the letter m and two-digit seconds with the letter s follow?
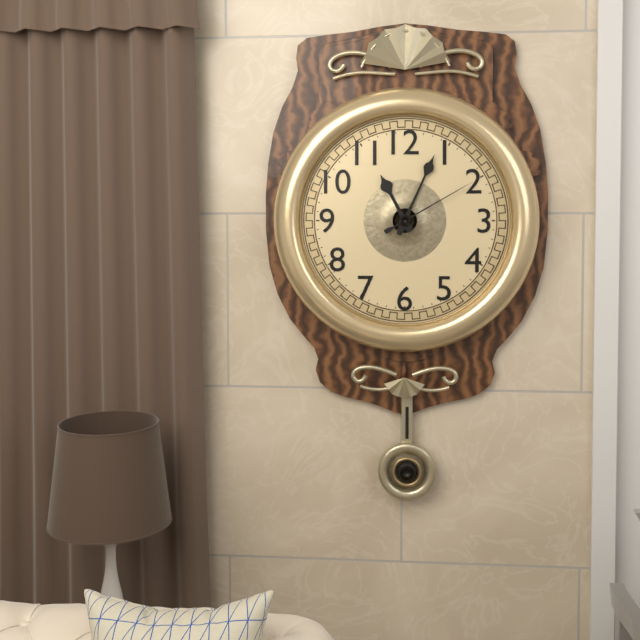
11h04m10s
